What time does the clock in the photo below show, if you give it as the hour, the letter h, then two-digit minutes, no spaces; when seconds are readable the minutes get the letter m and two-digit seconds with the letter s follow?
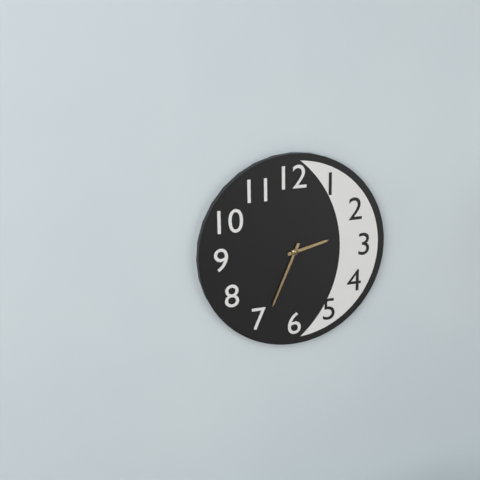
2h34
